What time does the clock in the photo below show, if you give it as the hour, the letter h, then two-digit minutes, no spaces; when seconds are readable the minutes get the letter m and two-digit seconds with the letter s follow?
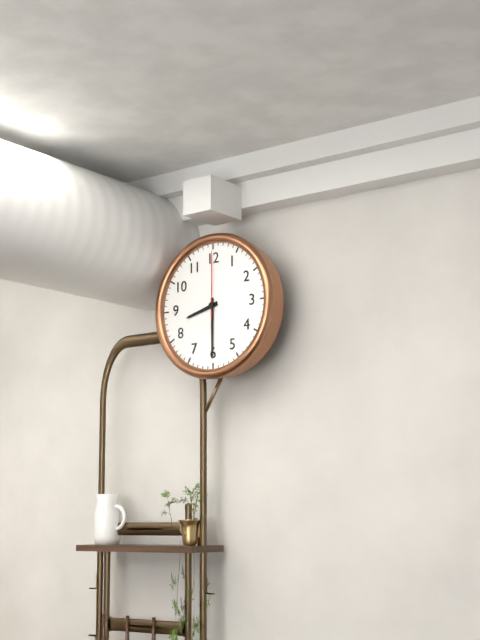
8h30m00s
